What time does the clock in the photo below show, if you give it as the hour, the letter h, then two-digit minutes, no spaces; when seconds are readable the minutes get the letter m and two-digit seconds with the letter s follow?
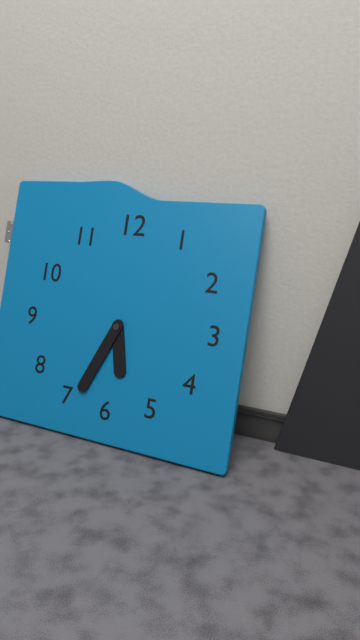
5h34
